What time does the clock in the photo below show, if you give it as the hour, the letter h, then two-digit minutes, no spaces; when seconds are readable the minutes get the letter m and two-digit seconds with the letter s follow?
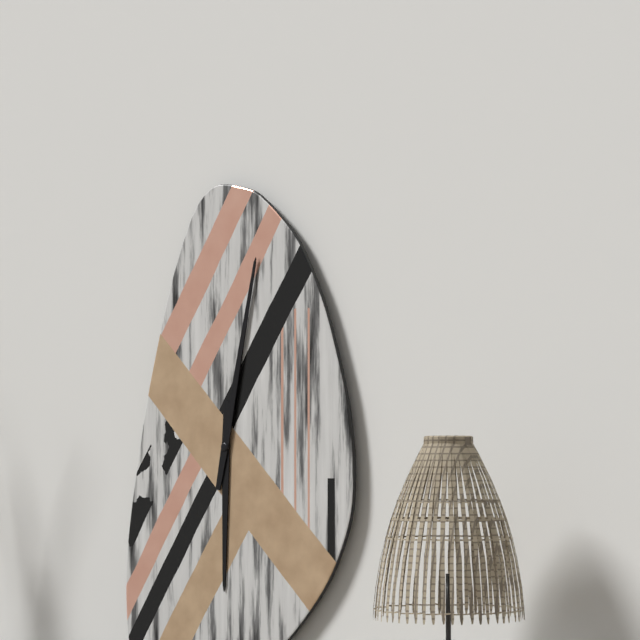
6h02
